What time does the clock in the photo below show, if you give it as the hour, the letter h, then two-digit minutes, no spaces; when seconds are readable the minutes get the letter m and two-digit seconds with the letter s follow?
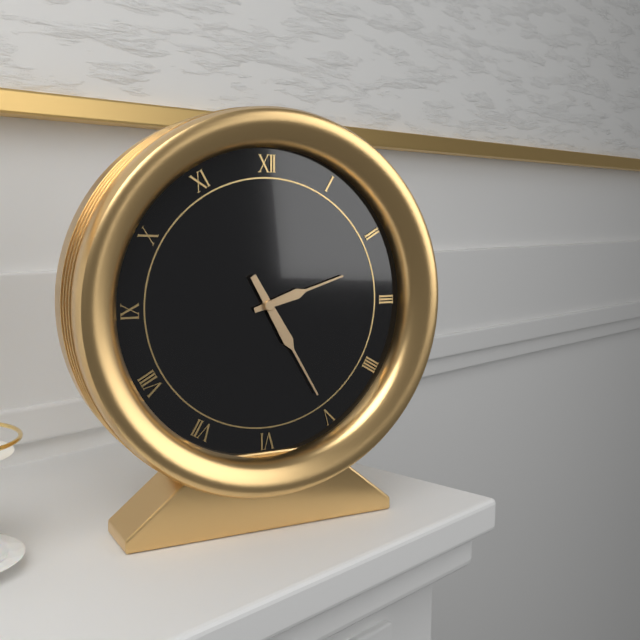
2h25
